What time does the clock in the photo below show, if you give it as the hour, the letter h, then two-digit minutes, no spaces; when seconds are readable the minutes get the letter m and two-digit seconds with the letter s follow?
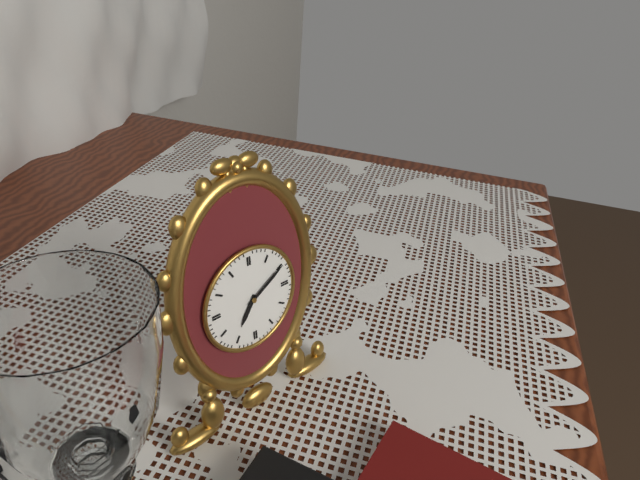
7h10
